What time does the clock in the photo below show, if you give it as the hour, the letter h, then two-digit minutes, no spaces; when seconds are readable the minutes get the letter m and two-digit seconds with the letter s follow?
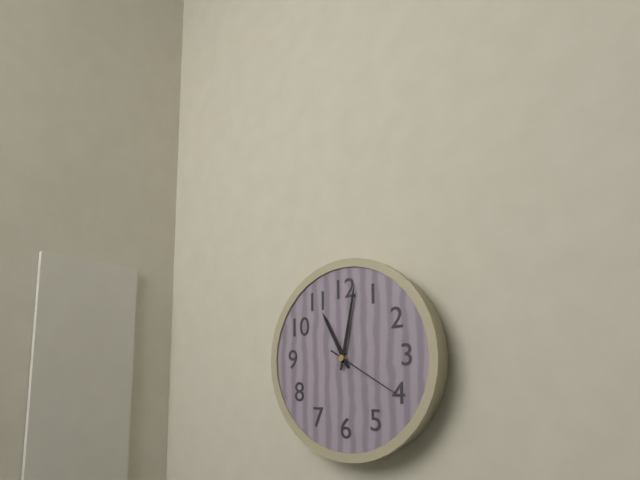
11h02m20s
